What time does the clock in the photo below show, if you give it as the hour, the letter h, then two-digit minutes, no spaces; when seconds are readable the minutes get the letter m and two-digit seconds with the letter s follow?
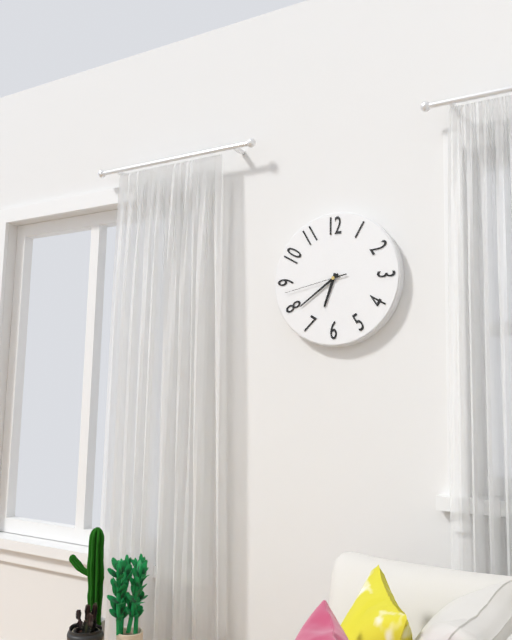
6h39m43s
